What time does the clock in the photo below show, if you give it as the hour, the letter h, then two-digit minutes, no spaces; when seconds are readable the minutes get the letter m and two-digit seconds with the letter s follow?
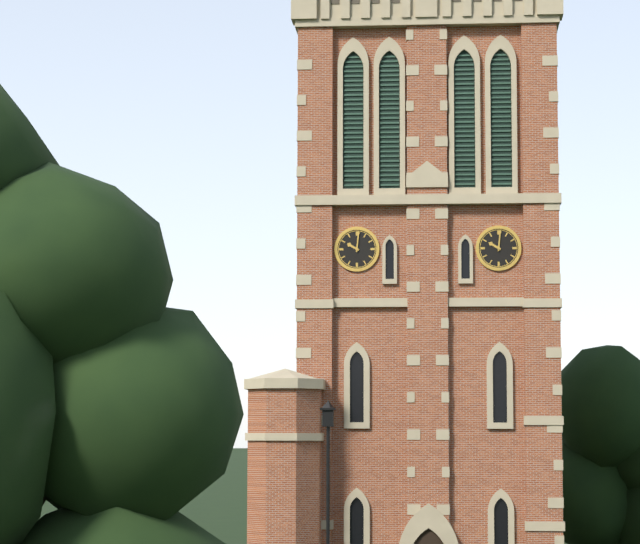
10h01
